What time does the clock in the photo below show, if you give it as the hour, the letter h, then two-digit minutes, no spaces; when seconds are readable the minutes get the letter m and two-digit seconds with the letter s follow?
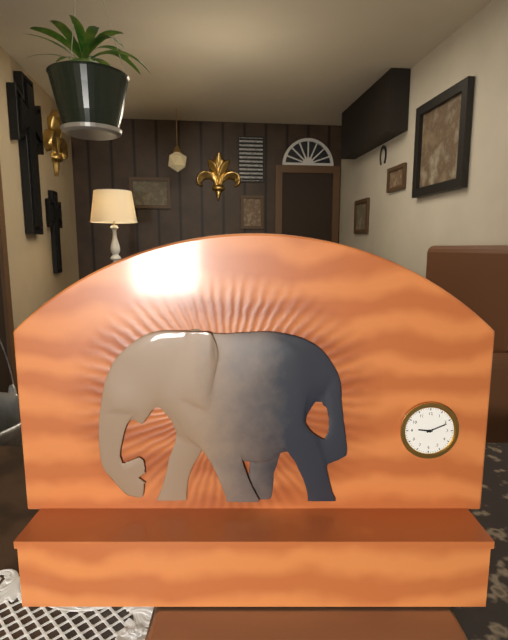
9h11
